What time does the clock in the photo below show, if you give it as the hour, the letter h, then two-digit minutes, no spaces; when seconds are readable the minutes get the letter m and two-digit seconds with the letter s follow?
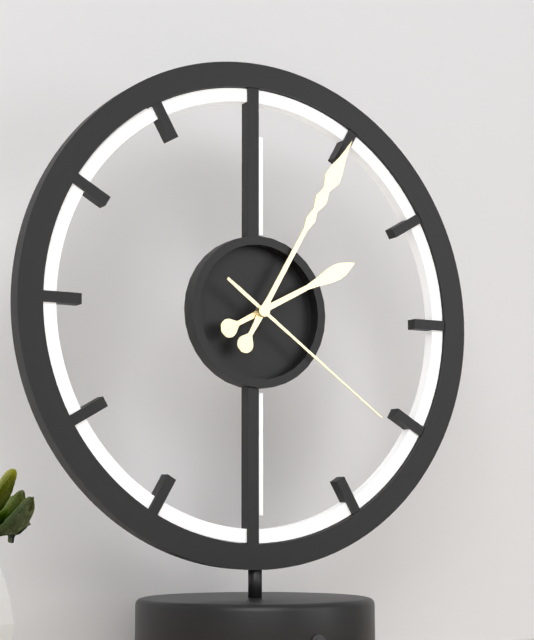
2h05m21s
